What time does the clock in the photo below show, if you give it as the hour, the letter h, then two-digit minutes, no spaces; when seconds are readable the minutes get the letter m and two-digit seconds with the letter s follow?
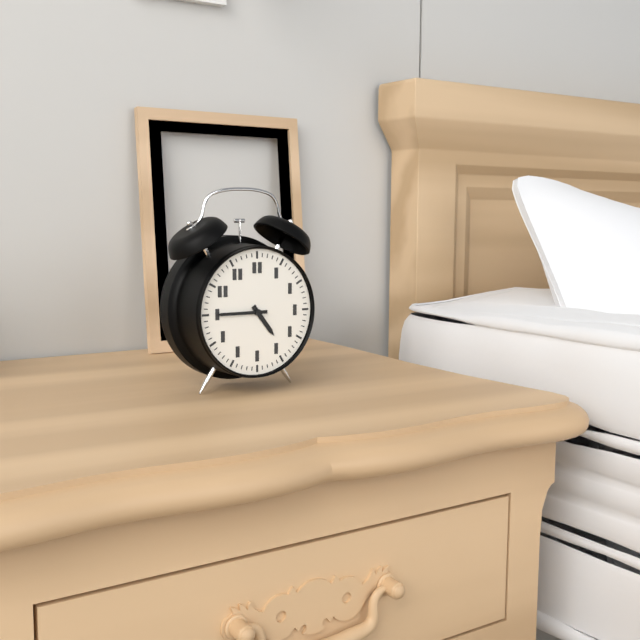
4h45
